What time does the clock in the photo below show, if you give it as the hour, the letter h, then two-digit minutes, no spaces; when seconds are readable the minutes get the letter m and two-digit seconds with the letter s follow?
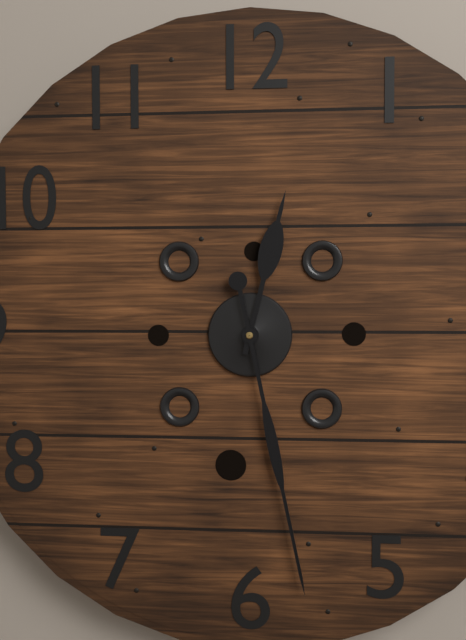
12h28
